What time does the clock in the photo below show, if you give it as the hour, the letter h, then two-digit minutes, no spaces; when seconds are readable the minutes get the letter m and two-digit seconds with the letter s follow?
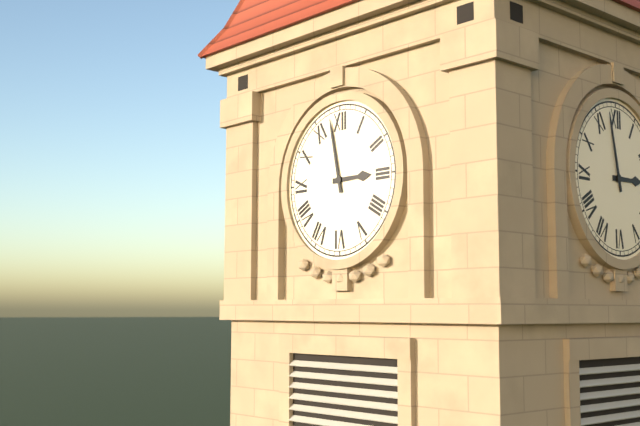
2h58
